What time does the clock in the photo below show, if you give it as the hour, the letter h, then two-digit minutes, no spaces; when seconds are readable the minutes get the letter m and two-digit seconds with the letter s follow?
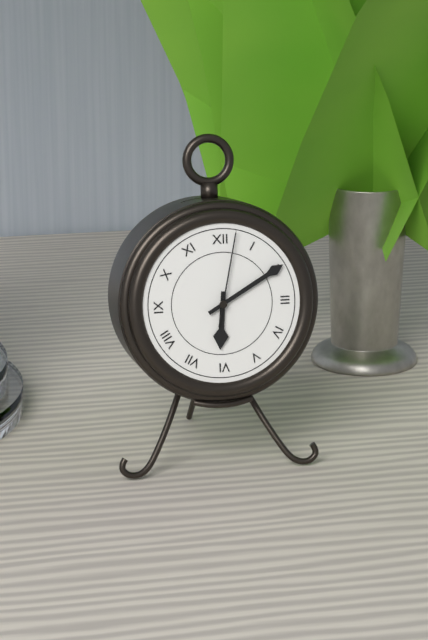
6h10m02s
